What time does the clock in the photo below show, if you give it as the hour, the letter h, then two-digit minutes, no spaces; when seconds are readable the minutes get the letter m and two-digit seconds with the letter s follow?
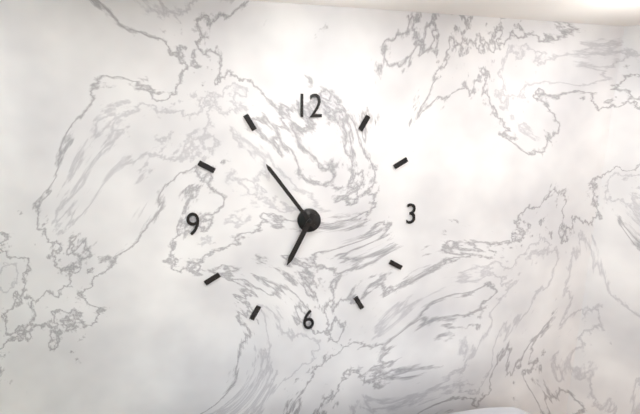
6h54
